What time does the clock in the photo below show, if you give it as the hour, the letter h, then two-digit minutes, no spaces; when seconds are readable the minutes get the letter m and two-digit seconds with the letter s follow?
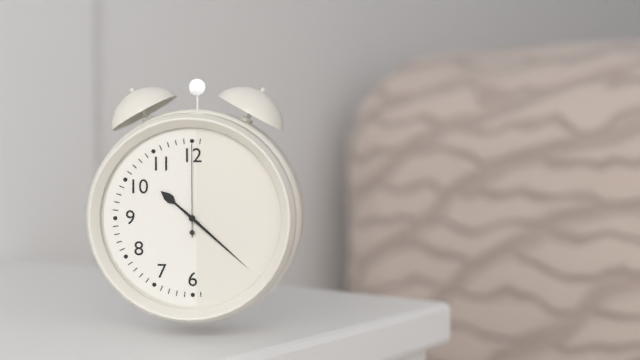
10h22m00s
